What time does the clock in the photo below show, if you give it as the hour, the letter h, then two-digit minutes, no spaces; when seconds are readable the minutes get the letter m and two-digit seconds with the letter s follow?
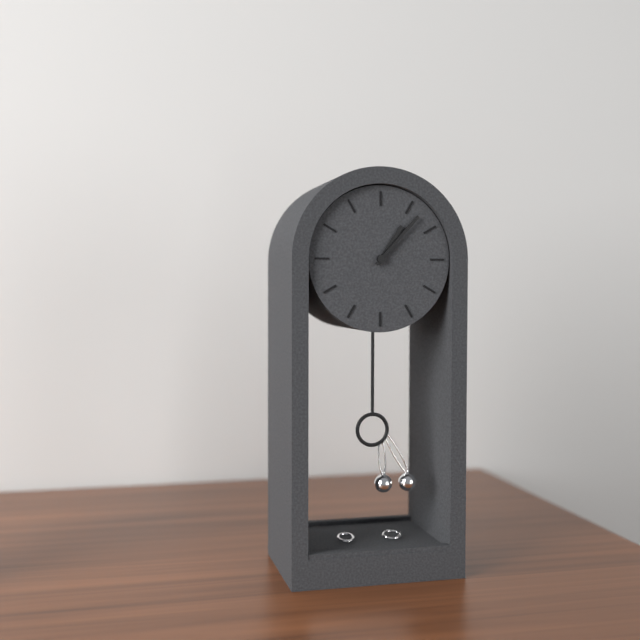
1h07
